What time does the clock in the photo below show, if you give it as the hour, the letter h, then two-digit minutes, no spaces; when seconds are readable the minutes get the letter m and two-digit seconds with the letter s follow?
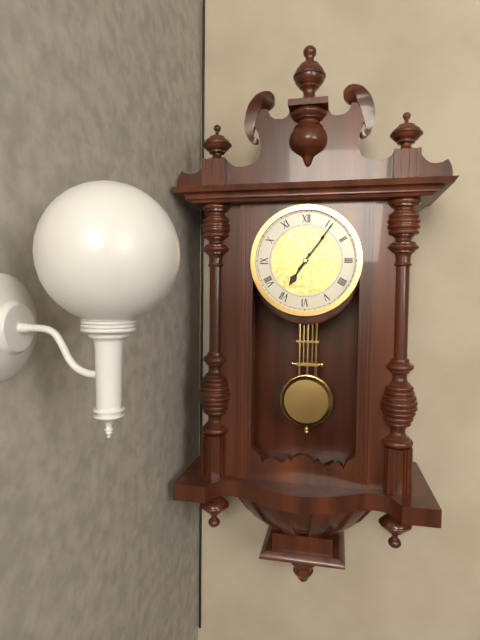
7h06
